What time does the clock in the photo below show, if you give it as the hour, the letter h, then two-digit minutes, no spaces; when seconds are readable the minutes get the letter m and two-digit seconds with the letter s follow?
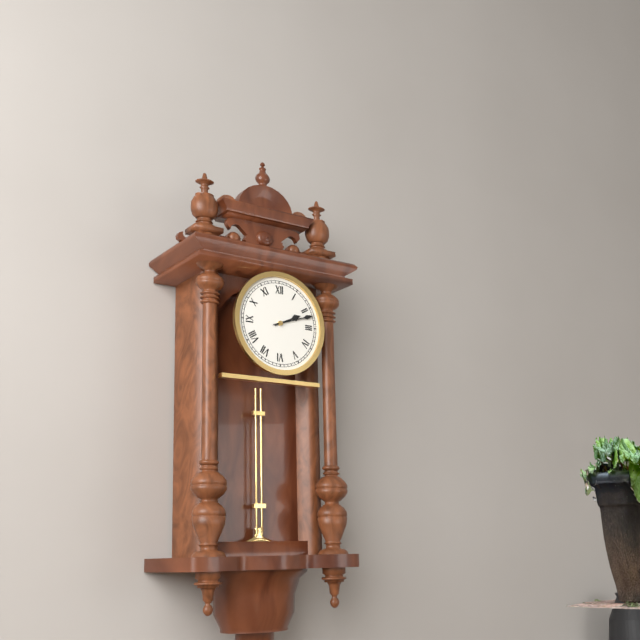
2h12
